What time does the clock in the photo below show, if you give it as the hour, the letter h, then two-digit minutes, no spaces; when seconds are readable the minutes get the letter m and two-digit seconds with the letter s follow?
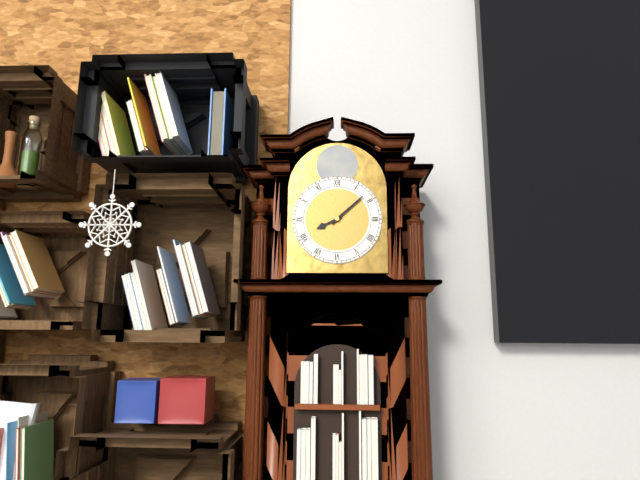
8h08
